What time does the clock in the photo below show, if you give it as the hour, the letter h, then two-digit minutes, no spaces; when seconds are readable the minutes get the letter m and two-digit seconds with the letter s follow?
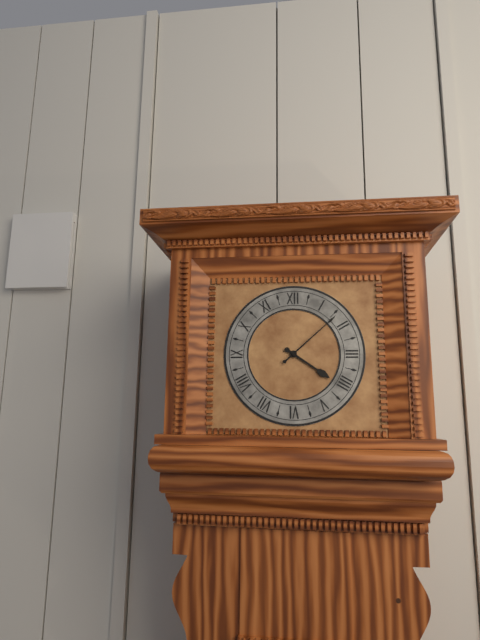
4h08
